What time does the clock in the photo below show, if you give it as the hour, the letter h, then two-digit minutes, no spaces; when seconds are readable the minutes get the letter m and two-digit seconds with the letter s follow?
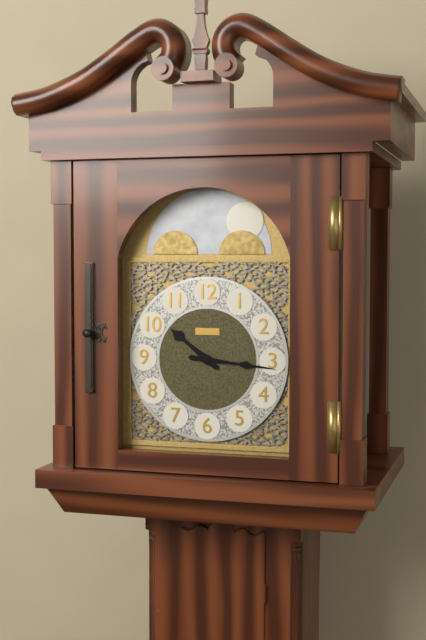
10h16
